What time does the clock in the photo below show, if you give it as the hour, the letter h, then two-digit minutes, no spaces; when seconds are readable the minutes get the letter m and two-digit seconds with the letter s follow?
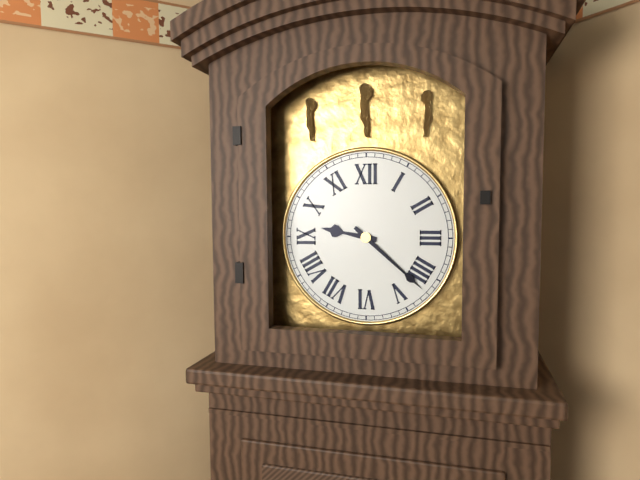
9h22
